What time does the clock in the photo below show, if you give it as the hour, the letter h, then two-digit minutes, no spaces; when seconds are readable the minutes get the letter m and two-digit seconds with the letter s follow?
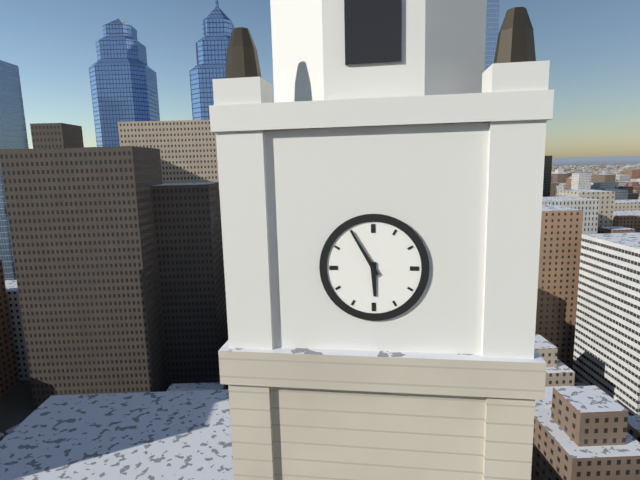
5h55
